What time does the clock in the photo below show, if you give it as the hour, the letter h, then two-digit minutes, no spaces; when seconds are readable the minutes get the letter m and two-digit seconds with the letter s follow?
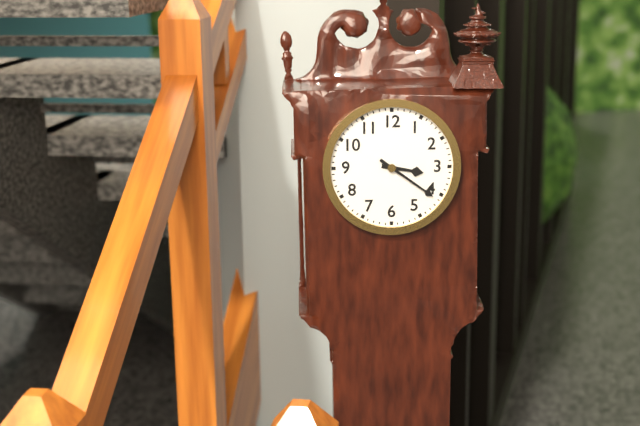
3h21
